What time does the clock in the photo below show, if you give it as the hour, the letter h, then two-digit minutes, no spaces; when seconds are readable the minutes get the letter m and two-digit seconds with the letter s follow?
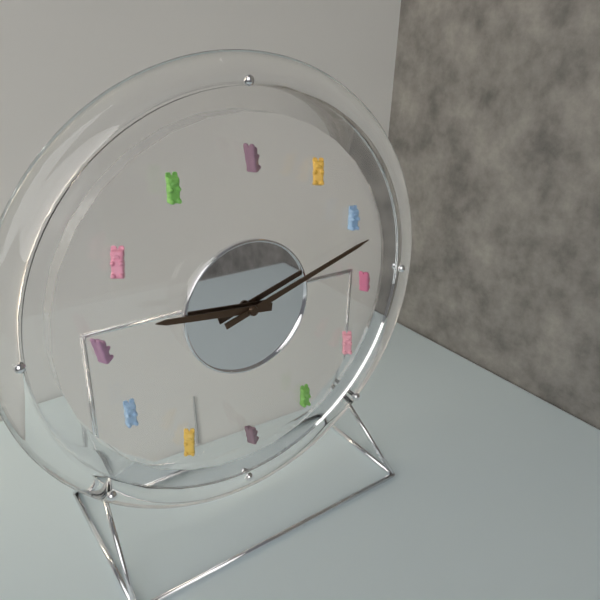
9h12
